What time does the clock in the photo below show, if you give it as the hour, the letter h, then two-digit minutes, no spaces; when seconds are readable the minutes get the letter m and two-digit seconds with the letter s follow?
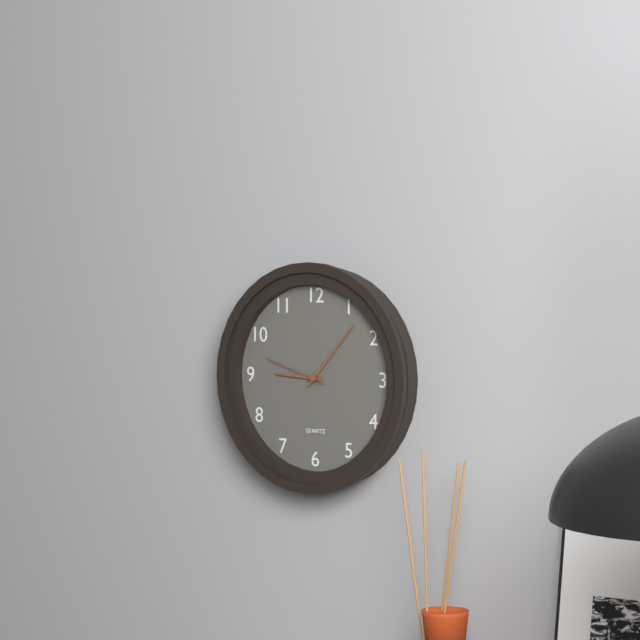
9h07m48s
